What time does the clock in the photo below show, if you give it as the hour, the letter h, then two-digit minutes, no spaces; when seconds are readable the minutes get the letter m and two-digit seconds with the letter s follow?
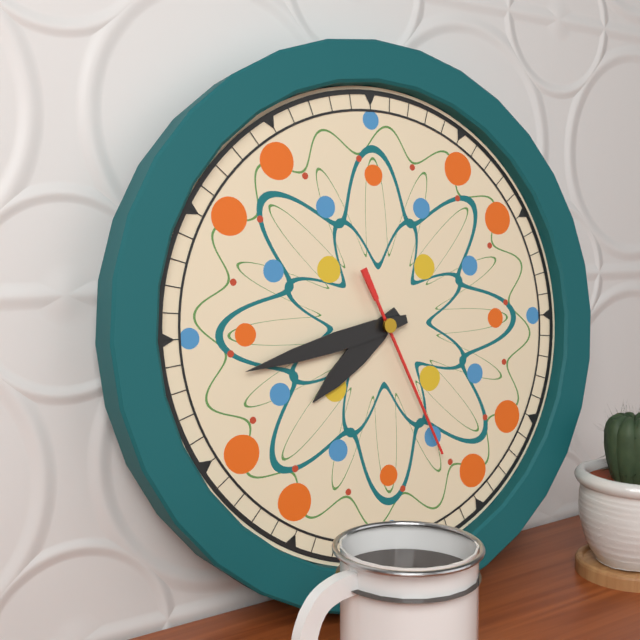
7h43m26s
